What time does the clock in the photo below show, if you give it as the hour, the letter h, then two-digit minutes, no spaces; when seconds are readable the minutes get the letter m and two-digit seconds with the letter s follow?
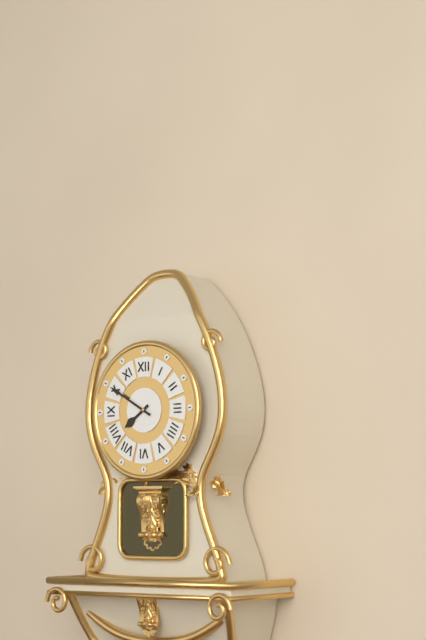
7h50
